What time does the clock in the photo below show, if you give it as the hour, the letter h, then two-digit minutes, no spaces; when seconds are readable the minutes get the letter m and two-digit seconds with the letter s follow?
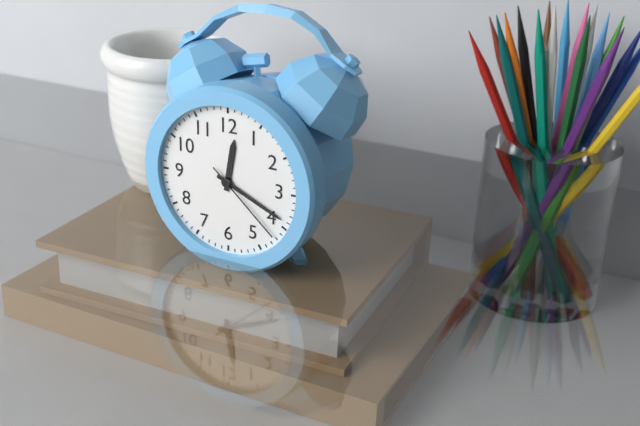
12h19m22s
